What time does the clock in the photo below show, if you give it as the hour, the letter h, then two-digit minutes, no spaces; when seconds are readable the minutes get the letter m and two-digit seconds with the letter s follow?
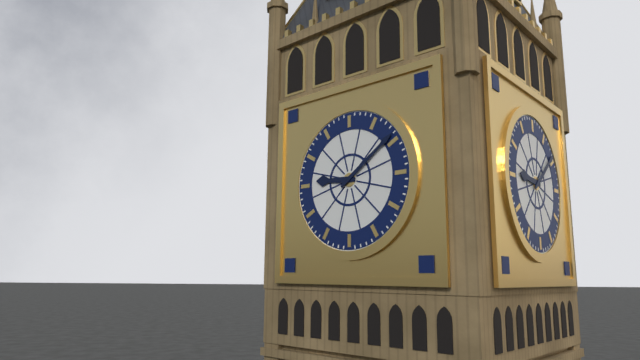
9h09
